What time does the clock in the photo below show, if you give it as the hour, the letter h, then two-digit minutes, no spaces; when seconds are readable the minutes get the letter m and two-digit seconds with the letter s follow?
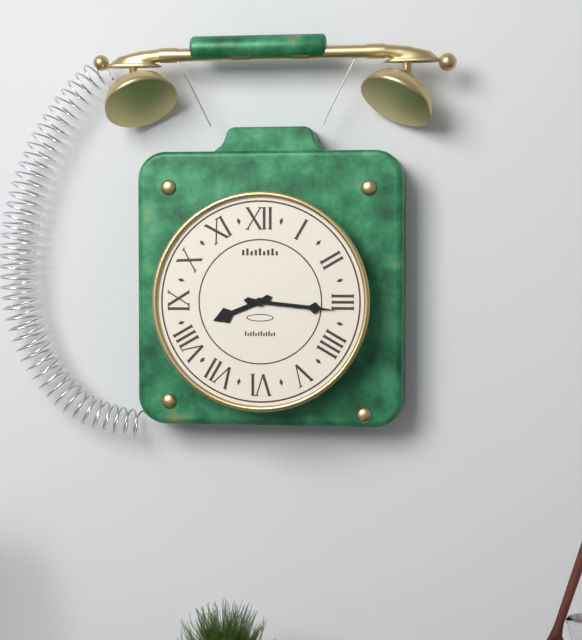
8h16
